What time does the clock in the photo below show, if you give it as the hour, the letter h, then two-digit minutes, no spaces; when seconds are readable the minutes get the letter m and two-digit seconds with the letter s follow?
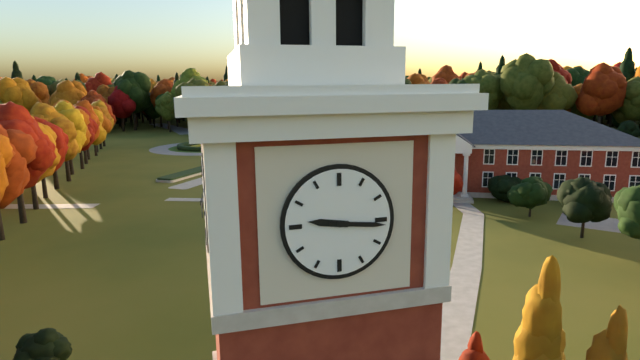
9h16
